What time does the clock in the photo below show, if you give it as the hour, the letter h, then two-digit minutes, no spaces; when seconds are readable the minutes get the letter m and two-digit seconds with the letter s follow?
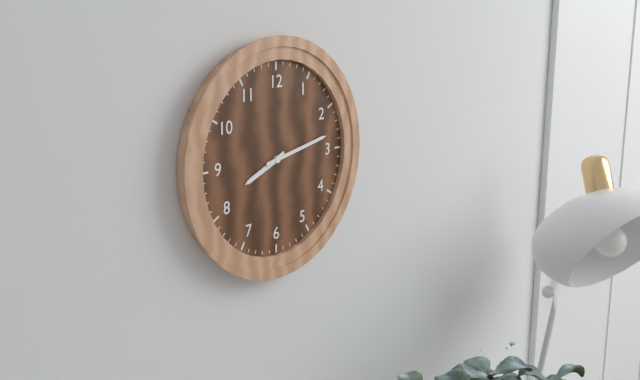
8h13
